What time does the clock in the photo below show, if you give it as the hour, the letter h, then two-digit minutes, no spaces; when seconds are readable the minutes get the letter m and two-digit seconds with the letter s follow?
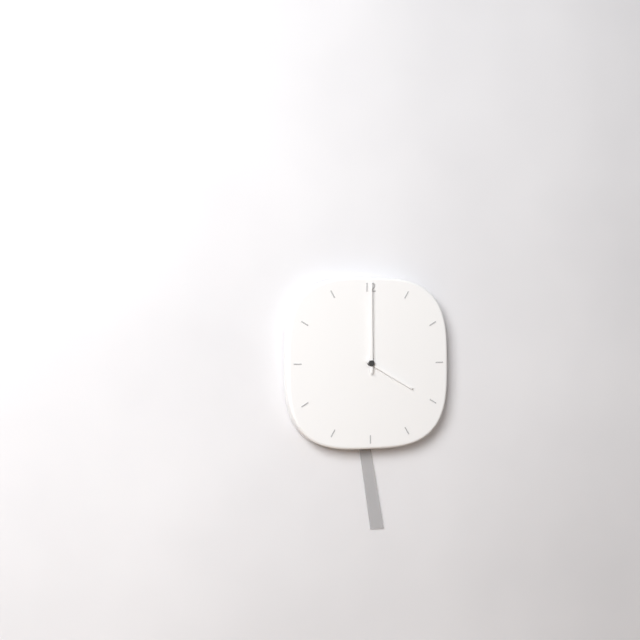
4h00
